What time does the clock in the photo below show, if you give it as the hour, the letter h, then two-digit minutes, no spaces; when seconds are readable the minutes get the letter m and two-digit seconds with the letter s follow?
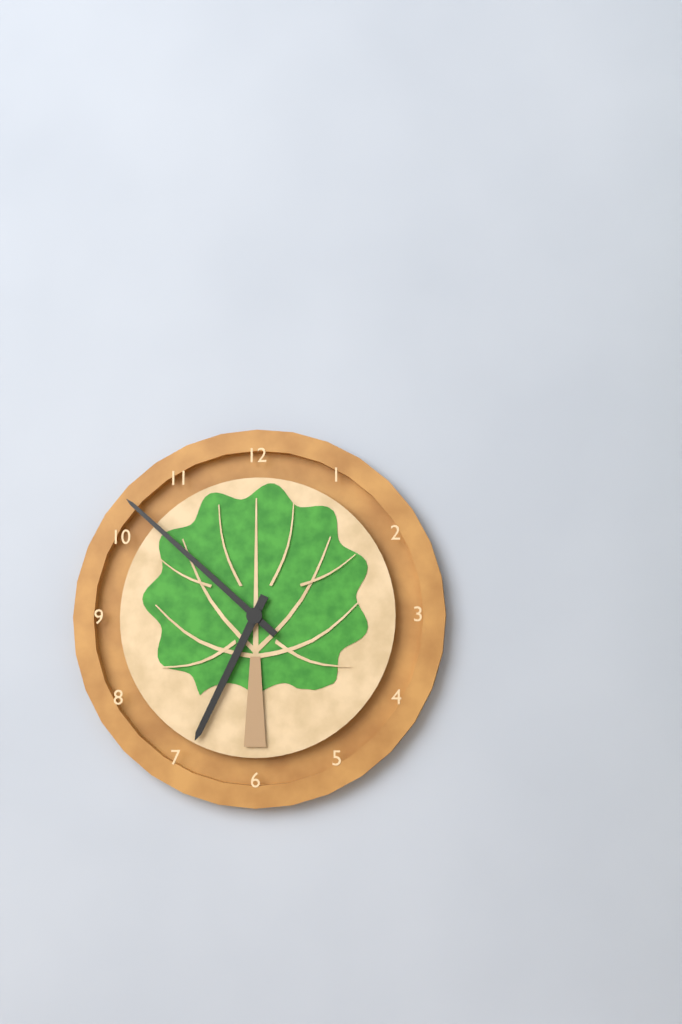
6h52
